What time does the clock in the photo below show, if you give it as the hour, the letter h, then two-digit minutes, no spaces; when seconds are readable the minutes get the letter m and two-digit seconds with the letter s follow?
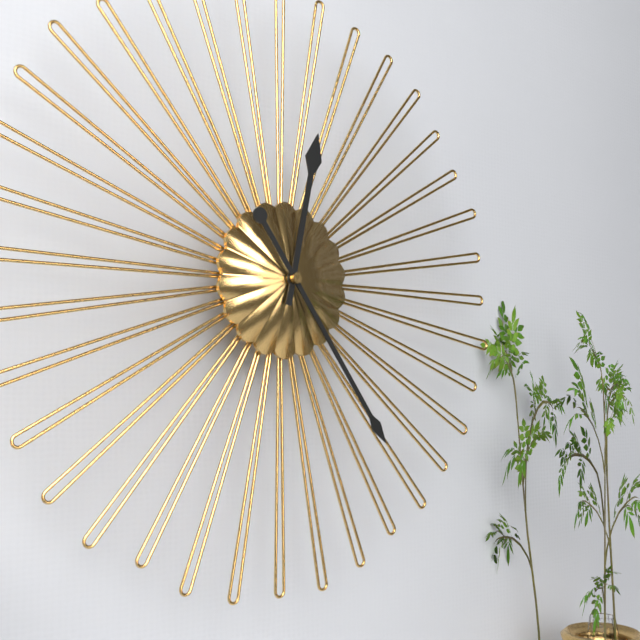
12h24
